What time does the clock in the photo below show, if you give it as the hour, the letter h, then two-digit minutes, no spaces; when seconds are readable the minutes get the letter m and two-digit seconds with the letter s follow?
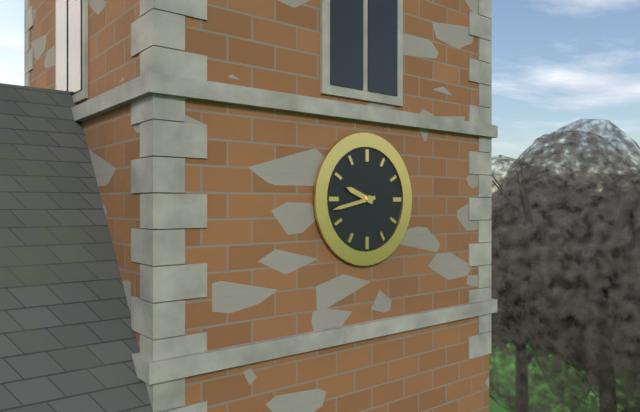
9h43
